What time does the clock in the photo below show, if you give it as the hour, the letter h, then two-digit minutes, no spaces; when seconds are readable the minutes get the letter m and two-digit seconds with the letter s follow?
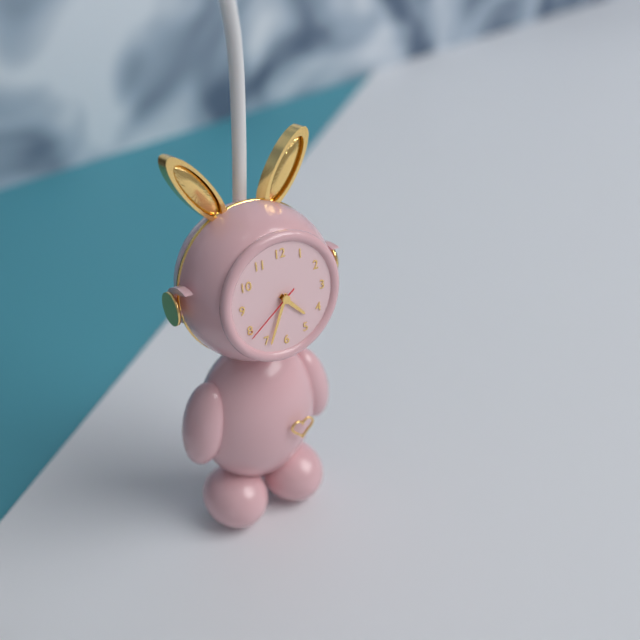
4h34m39s
